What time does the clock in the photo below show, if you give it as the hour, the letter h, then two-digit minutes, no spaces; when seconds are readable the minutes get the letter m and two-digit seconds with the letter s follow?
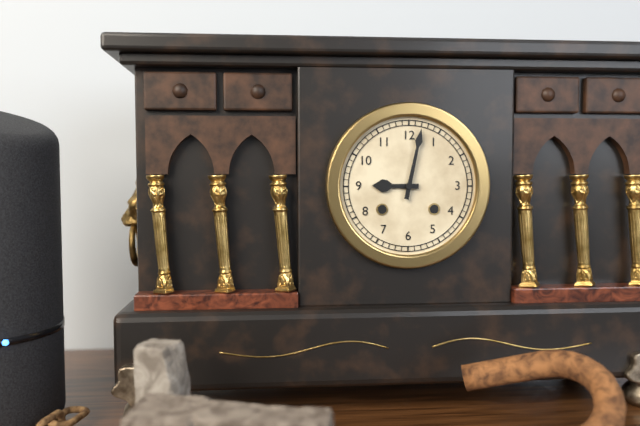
9h02
